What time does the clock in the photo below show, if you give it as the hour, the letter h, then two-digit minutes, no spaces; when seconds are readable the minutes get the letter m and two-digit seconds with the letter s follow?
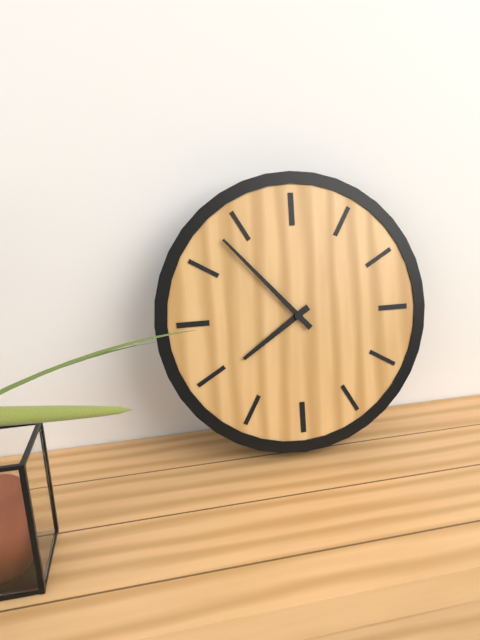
7h53
